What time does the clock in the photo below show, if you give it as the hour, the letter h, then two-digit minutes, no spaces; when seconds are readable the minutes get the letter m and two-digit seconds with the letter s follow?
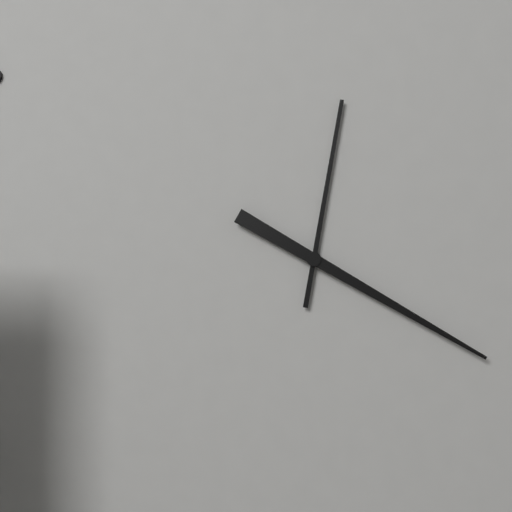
12h20
